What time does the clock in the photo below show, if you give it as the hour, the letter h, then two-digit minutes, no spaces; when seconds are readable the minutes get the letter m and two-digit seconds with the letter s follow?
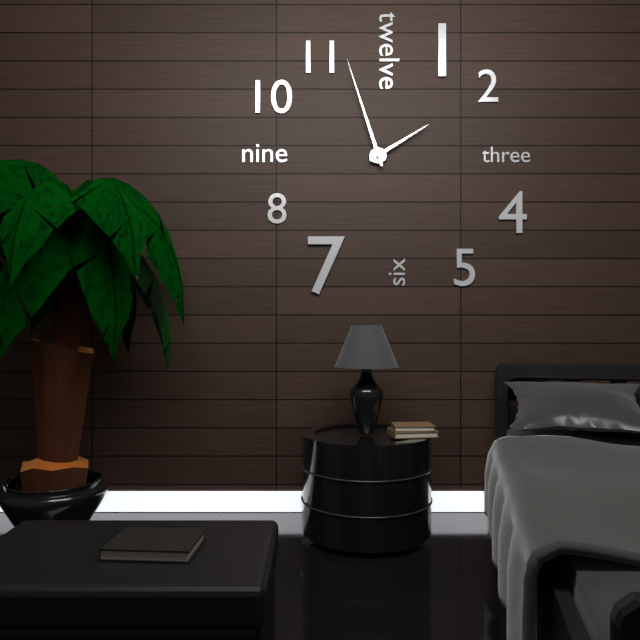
1h57
